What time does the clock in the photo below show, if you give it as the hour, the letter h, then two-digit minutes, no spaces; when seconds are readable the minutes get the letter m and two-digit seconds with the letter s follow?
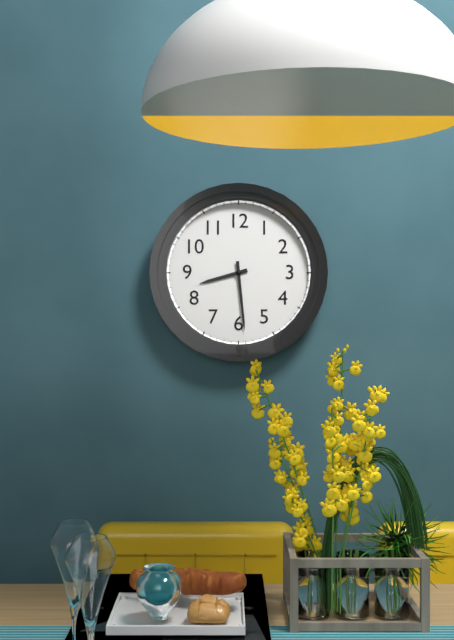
8h29
